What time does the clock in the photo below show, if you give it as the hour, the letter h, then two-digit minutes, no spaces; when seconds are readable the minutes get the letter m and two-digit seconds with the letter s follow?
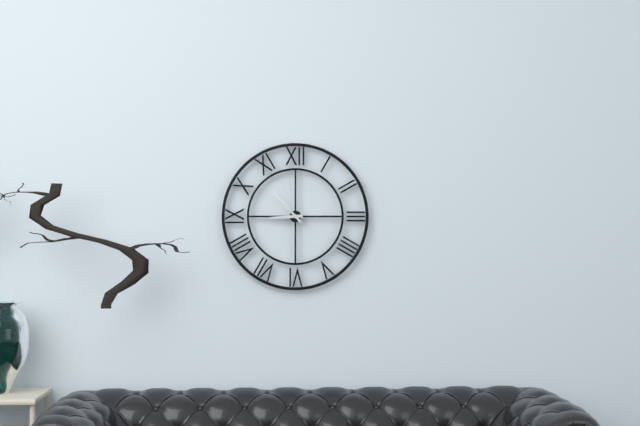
8h53
